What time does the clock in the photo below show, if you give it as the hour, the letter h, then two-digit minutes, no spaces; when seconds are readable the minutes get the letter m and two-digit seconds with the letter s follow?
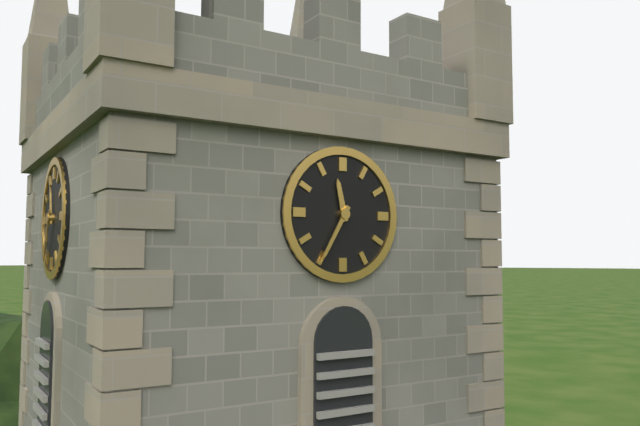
11h35
